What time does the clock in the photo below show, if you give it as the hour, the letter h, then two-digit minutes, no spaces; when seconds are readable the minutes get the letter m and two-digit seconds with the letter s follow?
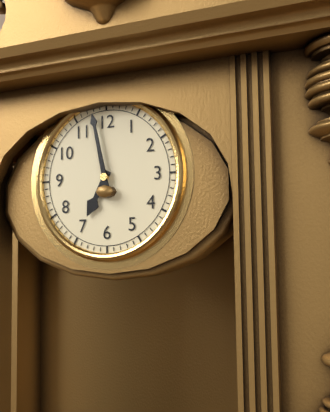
6h58
